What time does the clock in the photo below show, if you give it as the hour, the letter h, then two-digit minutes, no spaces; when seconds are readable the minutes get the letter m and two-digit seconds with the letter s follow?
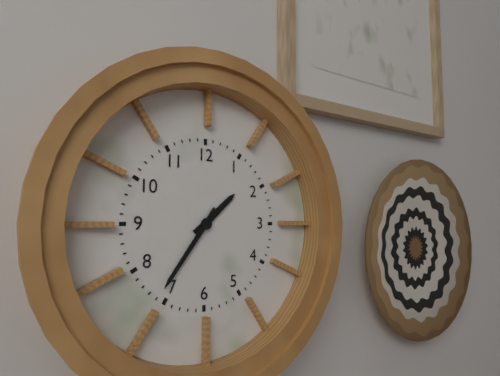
1h36
